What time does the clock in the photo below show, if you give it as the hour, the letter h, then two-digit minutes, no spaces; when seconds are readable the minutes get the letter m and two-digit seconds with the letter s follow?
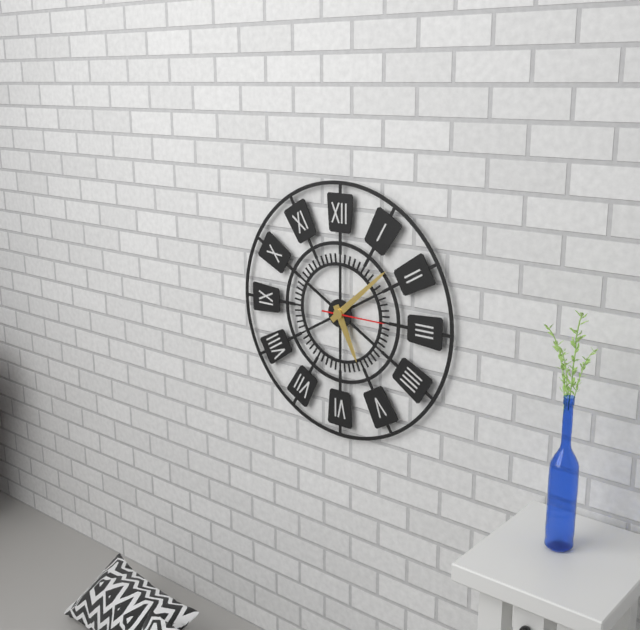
5h08m15s
